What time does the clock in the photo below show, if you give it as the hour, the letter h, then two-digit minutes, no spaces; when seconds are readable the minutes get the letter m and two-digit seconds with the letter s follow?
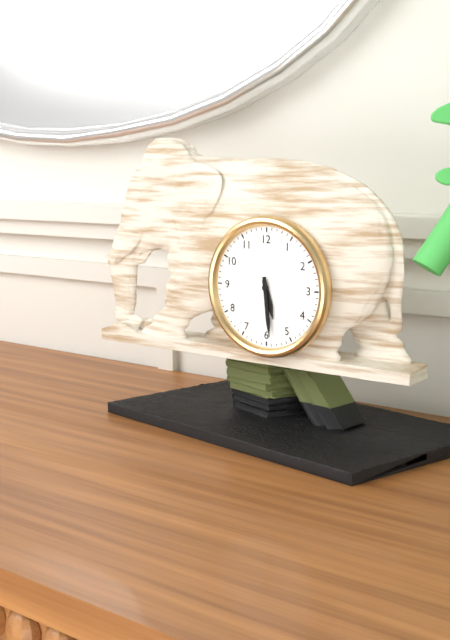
5h29
